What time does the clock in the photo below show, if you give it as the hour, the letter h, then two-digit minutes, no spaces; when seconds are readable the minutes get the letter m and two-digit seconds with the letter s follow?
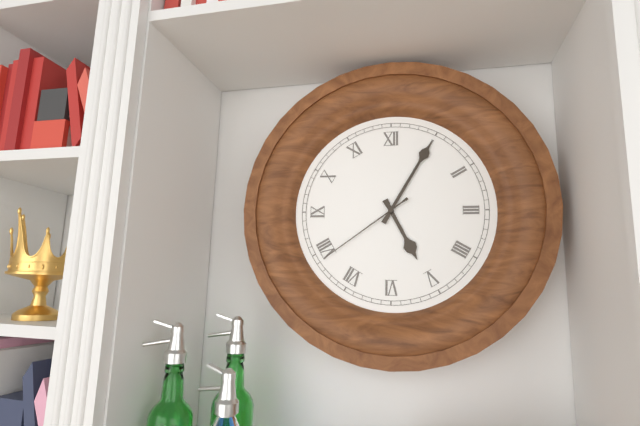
5h05m39s
